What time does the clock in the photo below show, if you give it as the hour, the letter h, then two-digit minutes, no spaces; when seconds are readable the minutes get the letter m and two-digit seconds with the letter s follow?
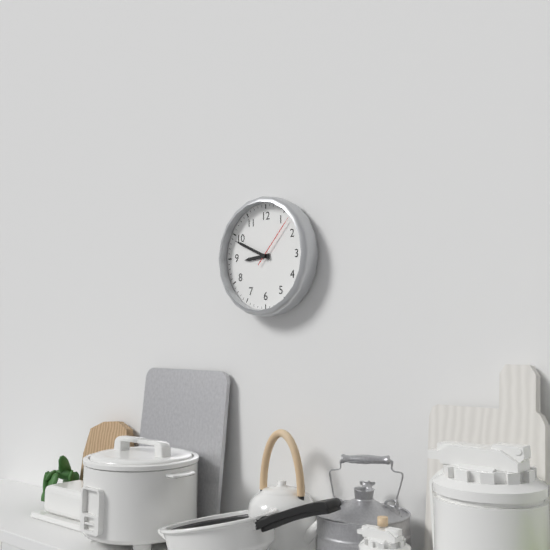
8h49m07s
